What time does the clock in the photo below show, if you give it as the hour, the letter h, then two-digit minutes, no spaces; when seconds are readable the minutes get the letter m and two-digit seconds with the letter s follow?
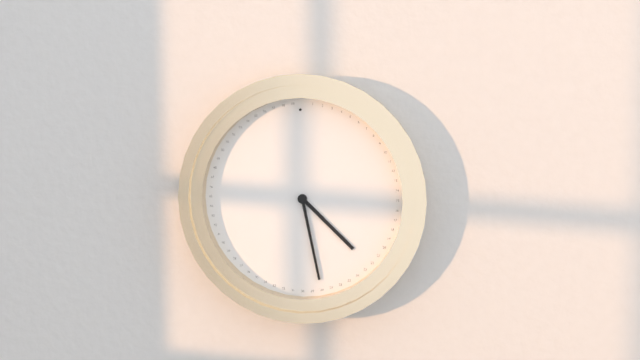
4h28
